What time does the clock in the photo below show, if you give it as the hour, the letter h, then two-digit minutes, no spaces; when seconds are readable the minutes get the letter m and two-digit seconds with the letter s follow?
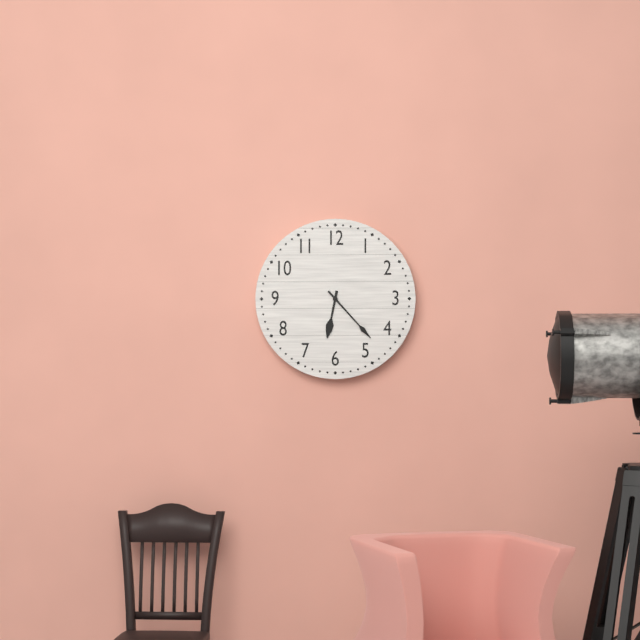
6h23
